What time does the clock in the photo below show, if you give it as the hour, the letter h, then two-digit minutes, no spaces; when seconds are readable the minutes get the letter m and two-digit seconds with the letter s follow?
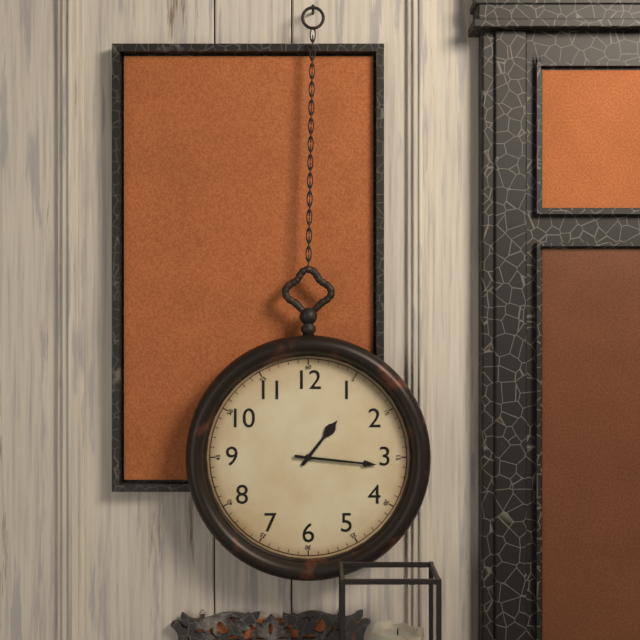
1h16
